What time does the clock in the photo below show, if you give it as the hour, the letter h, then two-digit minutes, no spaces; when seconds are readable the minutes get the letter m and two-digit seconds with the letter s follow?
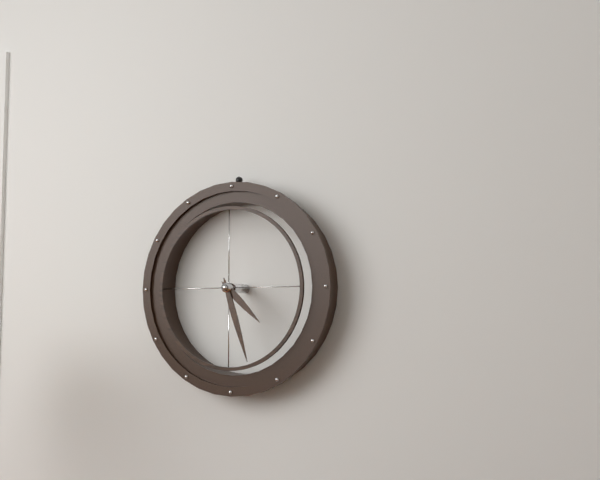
4h27
